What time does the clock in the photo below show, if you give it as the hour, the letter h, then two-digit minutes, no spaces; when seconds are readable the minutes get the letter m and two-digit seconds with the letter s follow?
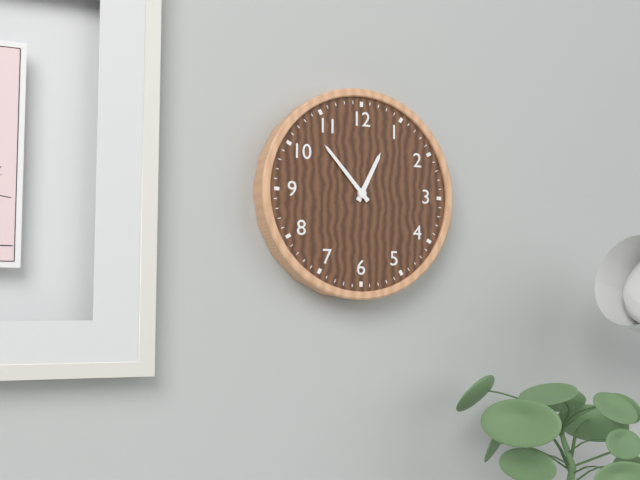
12h53
